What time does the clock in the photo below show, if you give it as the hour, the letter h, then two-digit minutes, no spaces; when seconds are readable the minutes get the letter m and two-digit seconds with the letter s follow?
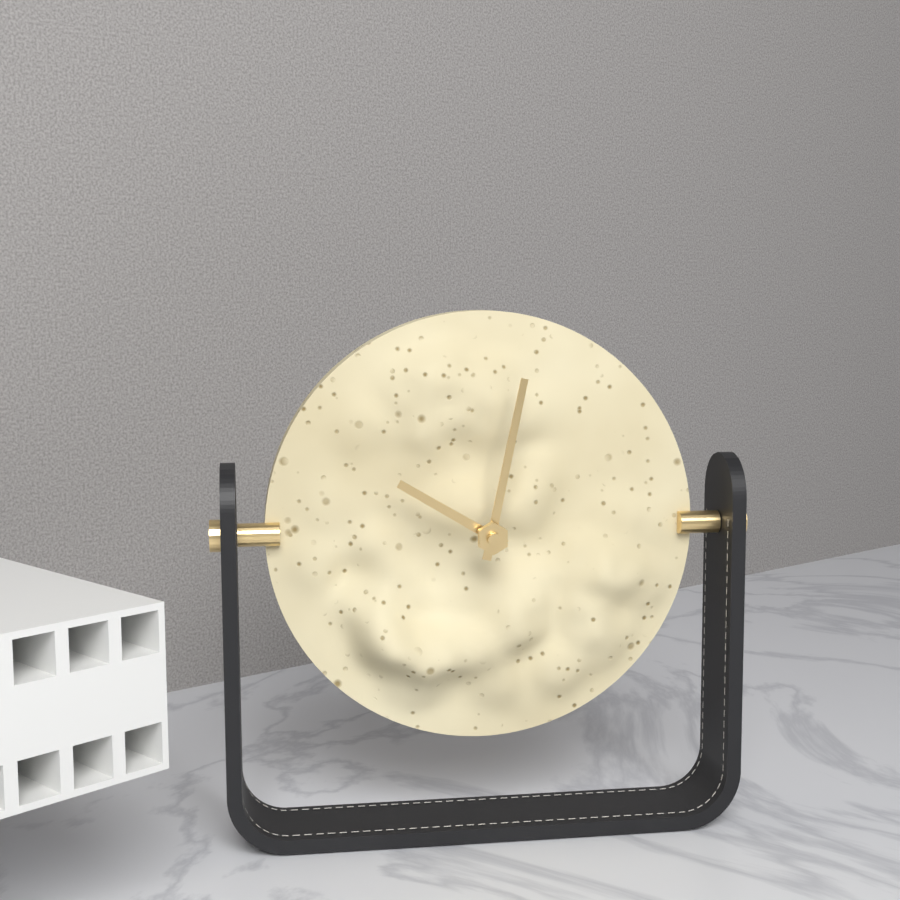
10h02
